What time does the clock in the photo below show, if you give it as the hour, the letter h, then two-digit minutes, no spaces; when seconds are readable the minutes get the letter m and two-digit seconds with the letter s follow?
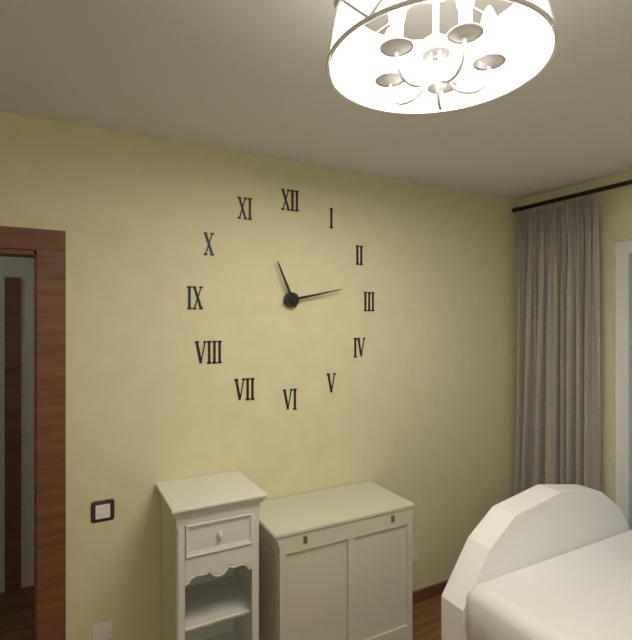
11h13
